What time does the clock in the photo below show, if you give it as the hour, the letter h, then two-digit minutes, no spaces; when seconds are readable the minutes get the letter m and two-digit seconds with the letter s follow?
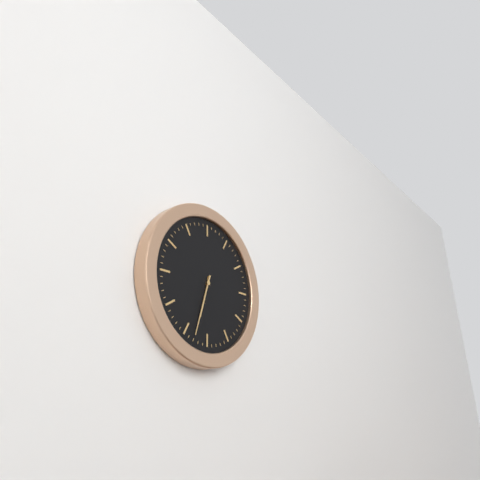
6h33
